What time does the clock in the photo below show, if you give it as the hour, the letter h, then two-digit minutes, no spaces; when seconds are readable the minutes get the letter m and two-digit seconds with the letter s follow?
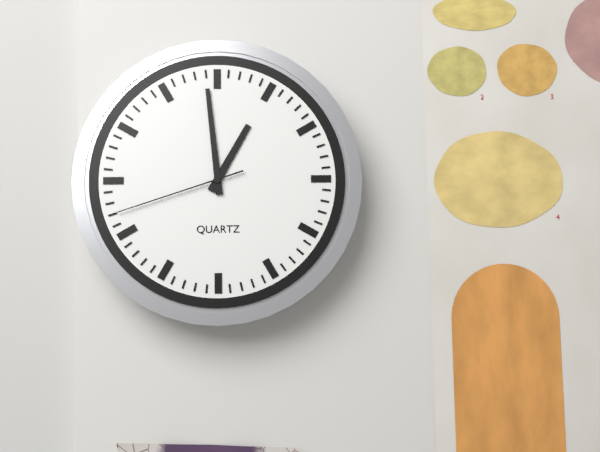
12h59m42s
